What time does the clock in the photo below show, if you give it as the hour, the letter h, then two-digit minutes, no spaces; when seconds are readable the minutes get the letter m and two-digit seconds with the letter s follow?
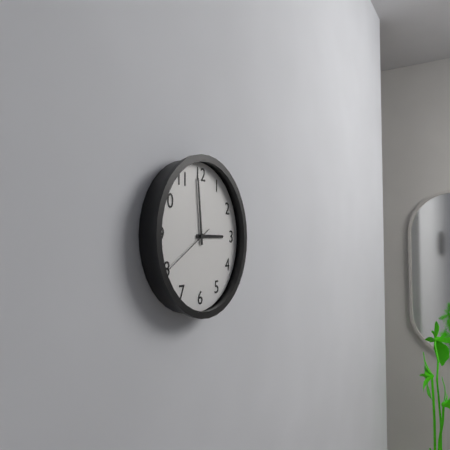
2h59m40s
